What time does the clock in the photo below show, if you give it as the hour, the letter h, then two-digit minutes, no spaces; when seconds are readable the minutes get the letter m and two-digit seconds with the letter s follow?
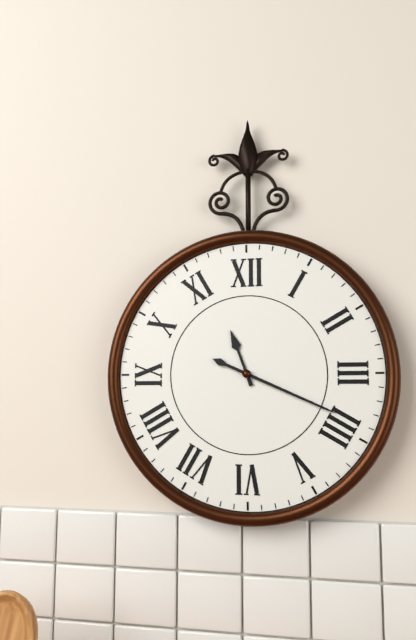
11h19
